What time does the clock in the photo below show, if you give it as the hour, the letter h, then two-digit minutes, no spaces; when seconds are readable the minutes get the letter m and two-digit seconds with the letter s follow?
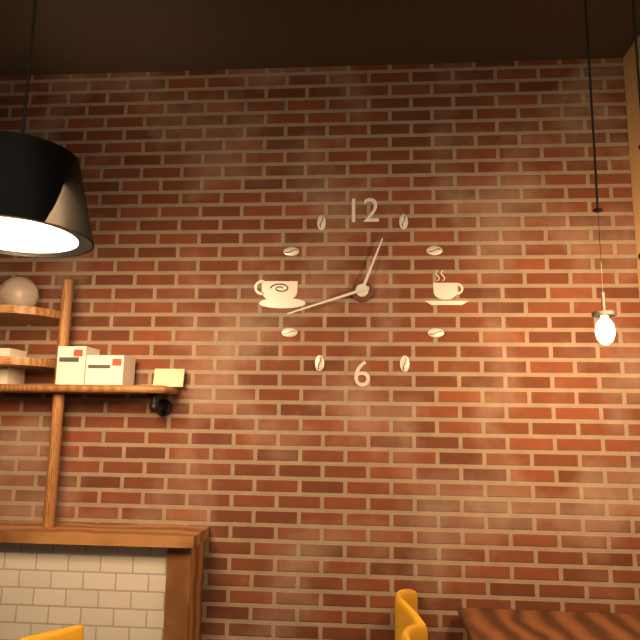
12h42
